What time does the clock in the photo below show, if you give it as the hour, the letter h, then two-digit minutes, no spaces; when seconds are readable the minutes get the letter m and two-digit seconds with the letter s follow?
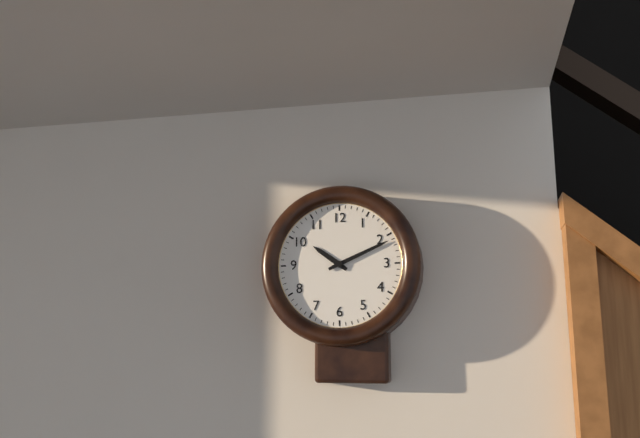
10h11
